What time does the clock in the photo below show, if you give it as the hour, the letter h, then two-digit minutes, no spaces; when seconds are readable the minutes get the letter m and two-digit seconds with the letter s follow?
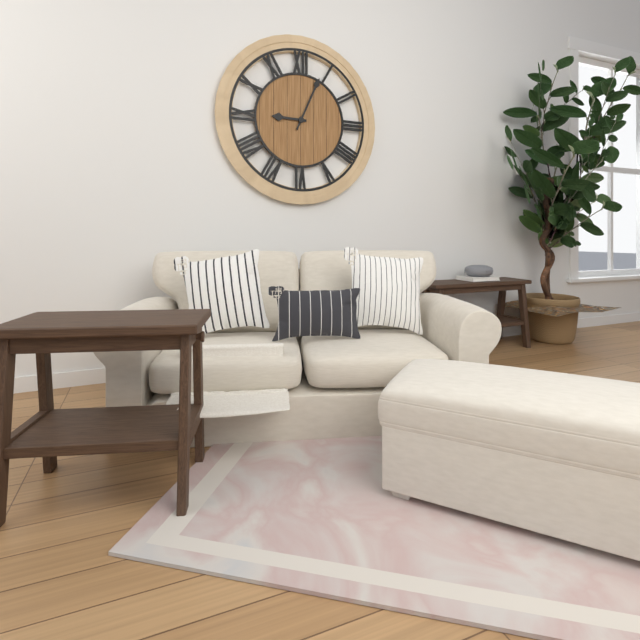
9h04
